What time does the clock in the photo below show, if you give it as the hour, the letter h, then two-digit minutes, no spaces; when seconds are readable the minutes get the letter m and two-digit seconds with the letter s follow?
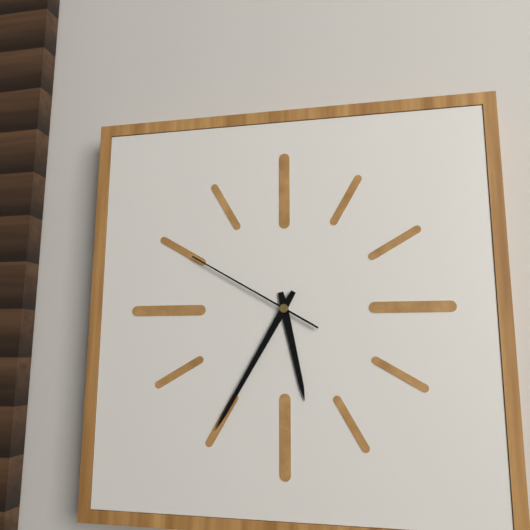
5h35m50s
